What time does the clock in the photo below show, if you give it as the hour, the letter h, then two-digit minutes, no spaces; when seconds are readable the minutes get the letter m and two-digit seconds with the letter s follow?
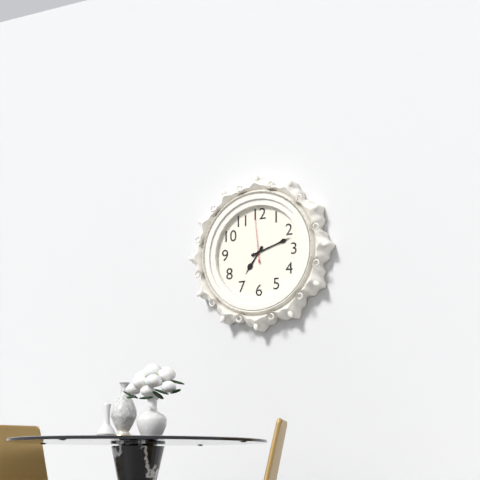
7h12
